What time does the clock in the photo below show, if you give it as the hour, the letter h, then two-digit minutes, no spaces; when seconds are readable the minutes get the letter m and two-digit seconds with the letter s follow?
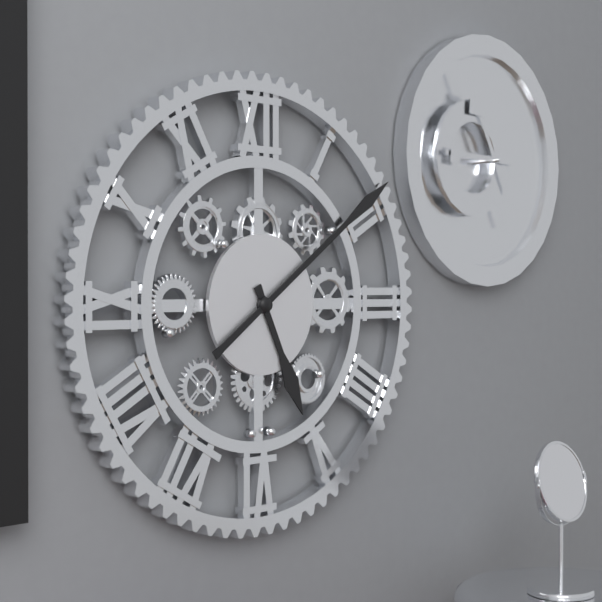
5h09
